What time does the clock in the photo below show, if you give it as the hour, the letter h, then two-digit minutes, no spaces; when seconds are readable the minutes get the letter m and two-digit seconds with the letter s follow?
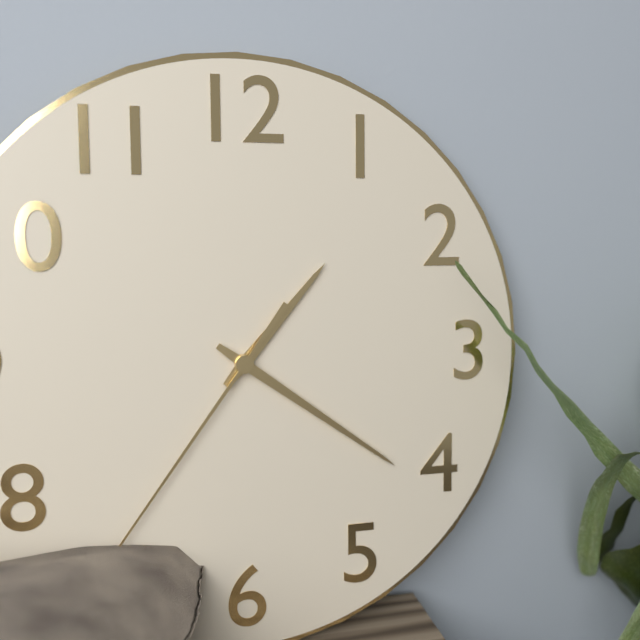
1h21m36s
